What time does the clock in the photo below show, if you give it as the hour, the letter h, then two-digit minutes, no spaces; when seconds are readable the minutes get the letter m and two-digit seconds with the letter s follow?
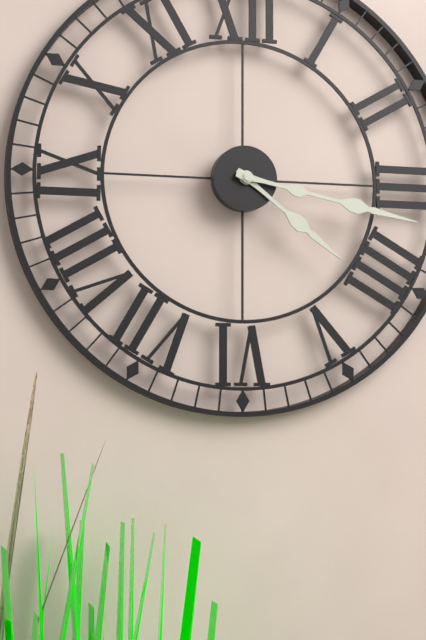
4h17
